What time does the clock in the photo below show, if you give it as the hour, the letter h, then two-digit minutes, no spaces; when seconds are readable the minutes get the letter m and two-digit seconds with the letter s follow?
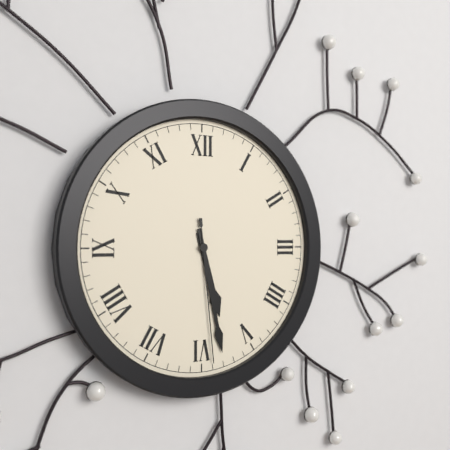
5h28m29s
